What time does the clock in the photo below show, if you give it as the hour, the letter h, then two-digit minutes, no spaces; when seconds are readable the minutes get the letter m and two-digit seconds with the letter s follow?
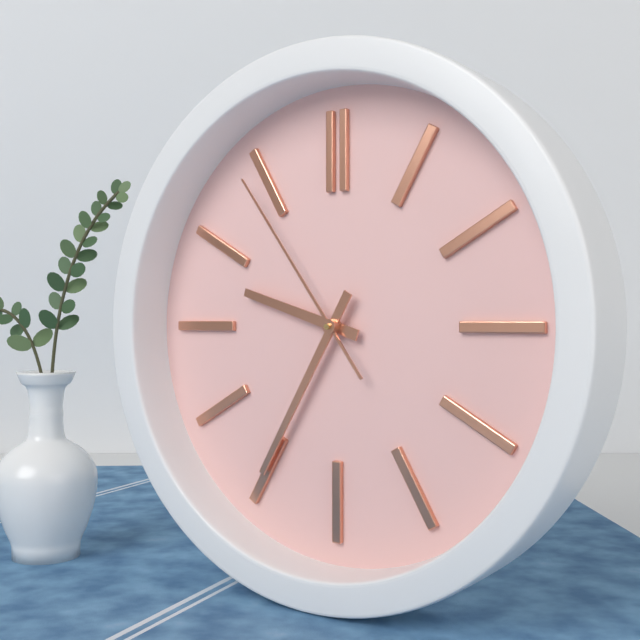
9h35m54s
